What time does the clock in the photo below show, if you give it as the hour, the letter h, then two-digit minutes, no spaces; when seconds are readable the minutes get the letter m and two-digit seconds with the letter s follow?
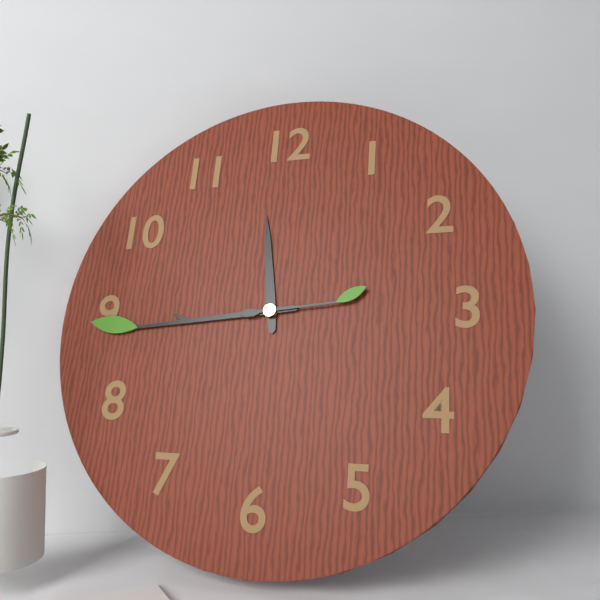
11h44m14s
